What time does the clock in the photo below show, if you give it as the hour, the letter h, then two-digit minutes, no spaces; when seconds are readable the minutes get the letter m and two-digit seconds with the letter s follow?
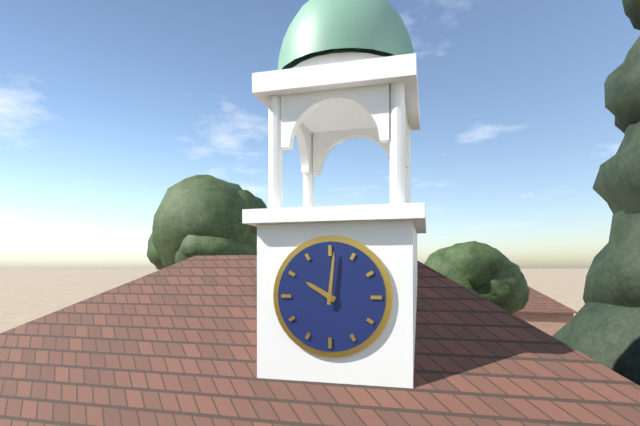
10h01
